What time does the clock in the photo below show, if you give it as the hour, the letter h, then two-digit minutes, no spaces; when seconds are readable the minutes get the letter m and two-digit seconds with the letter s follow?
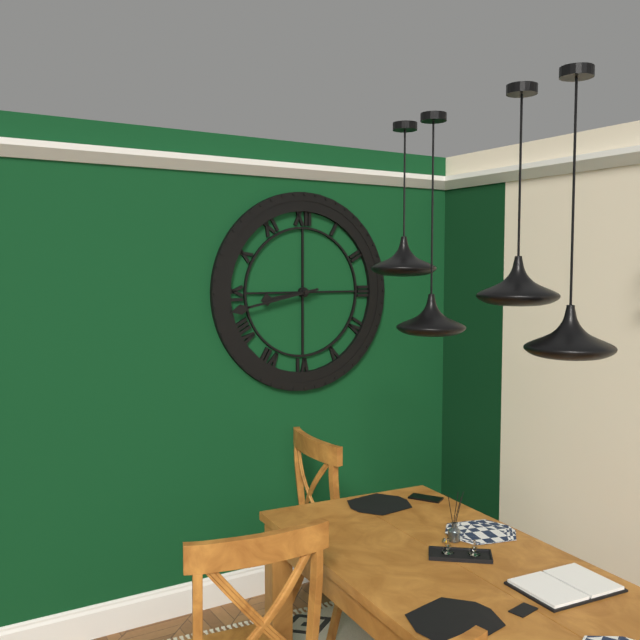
8h43
